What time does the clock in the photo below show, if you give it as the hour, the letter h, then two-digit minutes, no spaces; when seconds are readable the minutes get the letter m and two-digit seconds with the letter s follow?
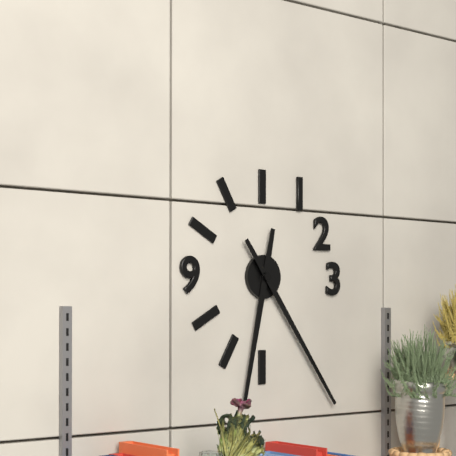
6h24
